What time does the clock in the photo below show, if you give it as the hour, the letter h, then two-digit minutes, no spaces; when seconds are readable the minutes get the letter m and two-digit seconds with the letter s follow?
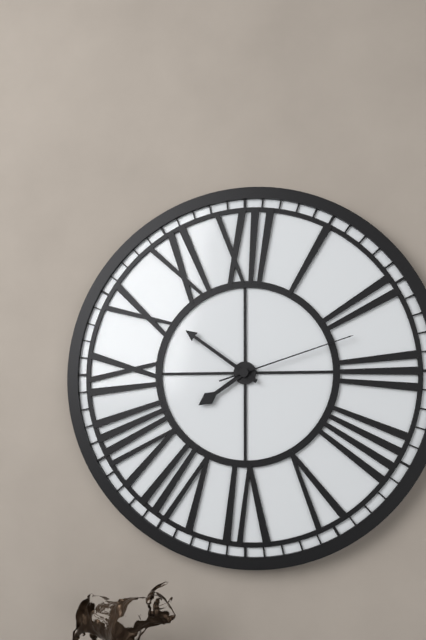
7h51m12s
